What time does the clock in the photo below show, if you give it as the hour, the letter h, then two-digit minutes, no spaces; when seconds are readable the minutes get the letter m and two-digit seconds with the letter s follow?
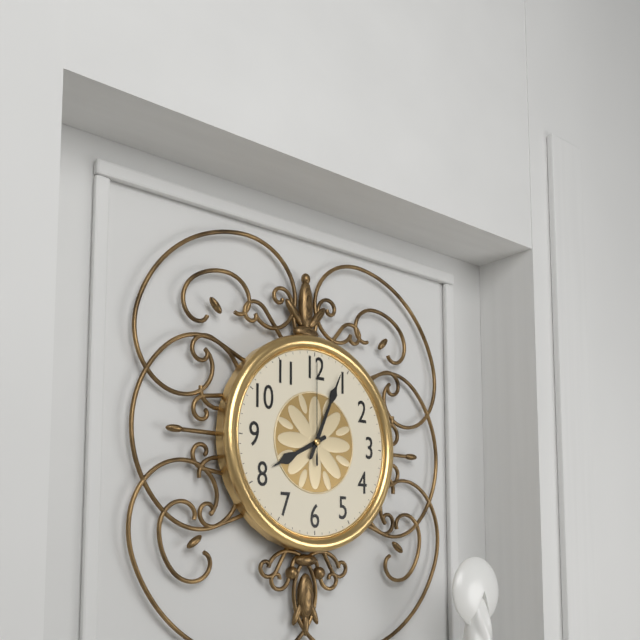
8h04m00s
